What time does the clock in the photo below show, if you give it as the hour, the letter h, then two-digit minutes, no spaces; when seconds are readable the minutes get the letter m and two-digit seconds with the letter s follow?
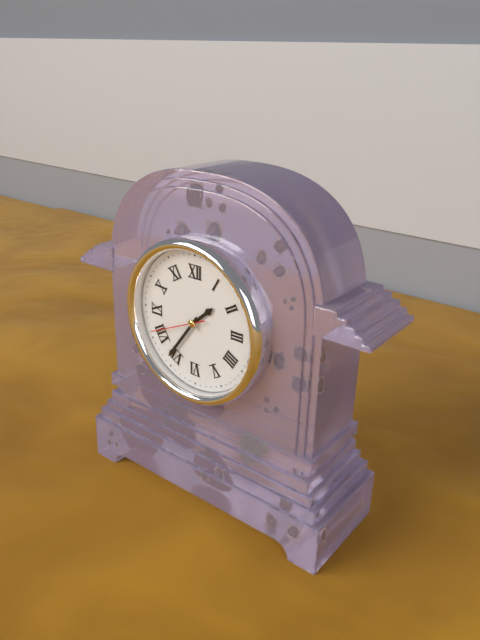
1h36m41s
